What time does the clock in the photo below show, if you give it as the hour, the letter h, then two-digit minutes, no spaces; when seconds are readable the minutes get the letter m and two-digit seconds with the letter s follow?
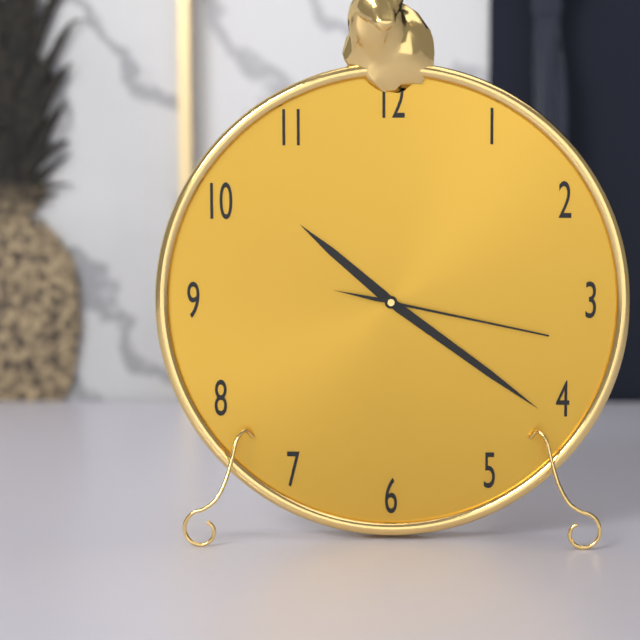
10h21m17s
